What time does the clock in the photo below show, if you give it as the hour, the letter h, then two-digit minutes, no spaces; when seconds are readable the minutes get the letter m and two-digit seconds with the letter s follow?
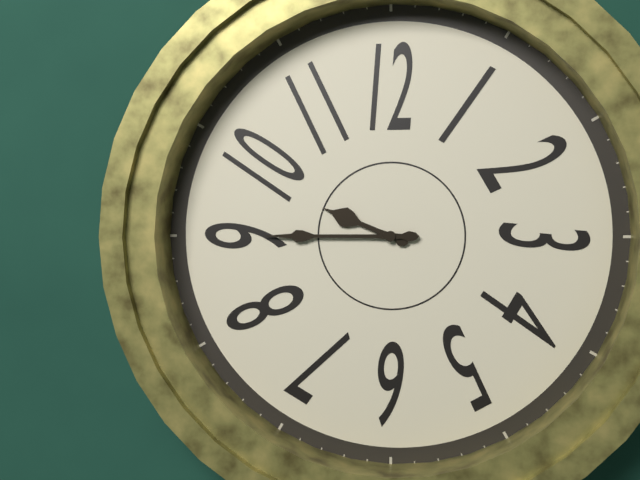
9h45
